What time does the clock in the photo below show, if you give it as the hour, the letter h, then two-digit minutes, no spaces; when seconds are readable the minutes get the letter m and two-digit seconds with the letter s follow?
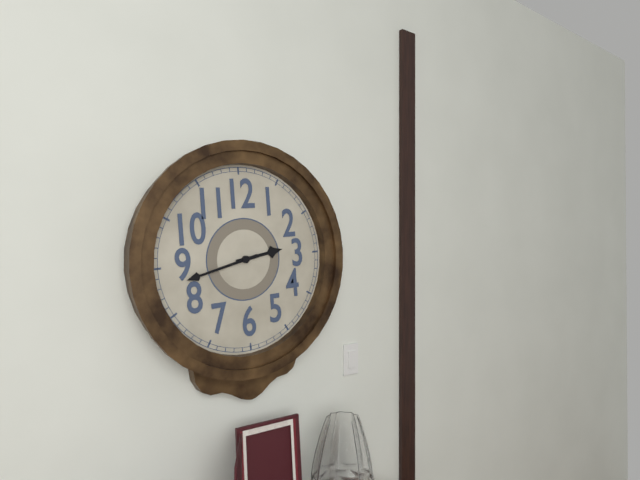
2h43
